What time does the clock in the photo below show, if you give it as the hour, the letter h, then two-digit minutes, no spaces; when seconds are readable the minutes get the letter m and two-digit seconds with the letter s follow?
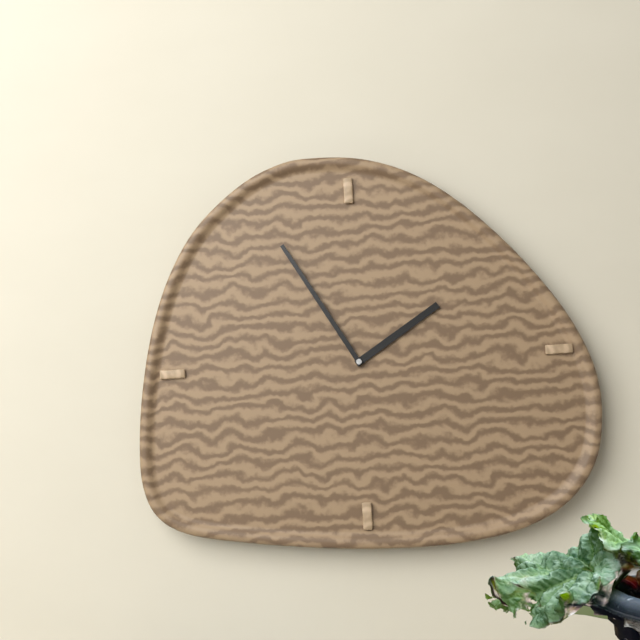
1h55
